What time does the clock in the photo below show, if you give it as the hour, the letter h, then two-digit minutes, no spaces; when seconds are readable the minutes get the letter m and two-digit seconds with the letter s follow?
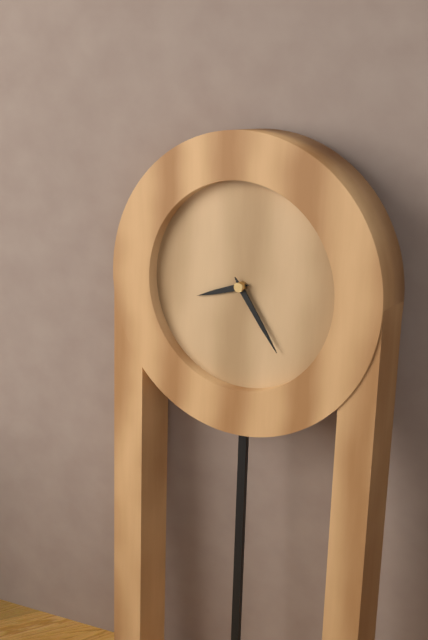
8h24
